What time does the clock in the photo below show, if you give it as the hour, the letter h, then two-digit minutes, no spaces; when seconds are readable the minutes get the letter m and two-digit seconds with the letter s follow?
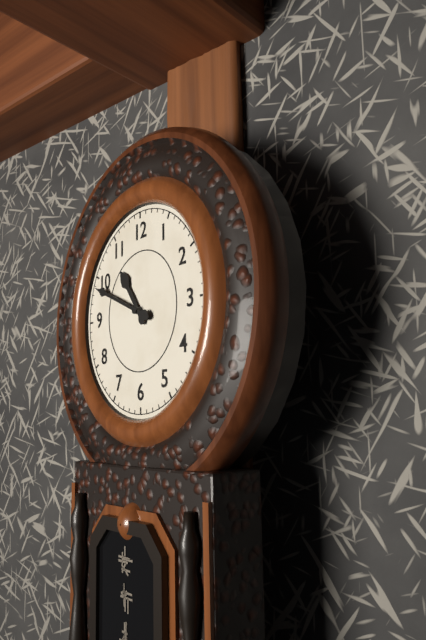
10h49
